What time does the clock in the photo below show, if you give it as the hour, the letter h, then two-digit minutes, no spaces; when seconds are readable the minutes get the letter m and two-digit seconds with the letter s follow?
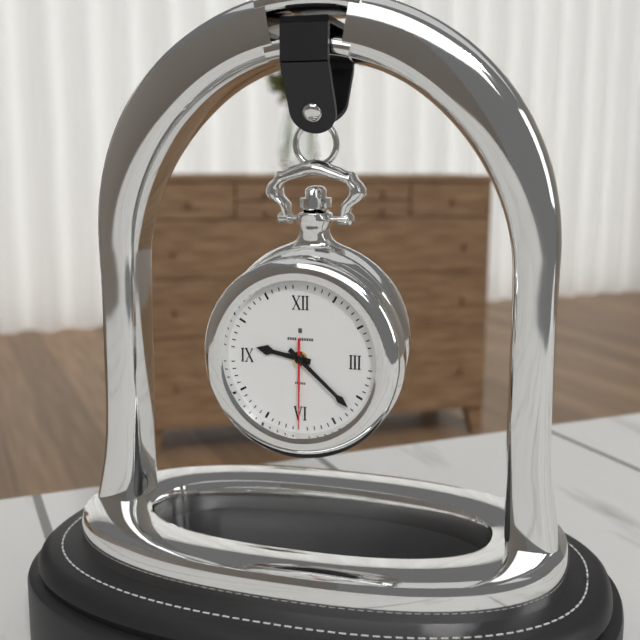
9h22m30s
